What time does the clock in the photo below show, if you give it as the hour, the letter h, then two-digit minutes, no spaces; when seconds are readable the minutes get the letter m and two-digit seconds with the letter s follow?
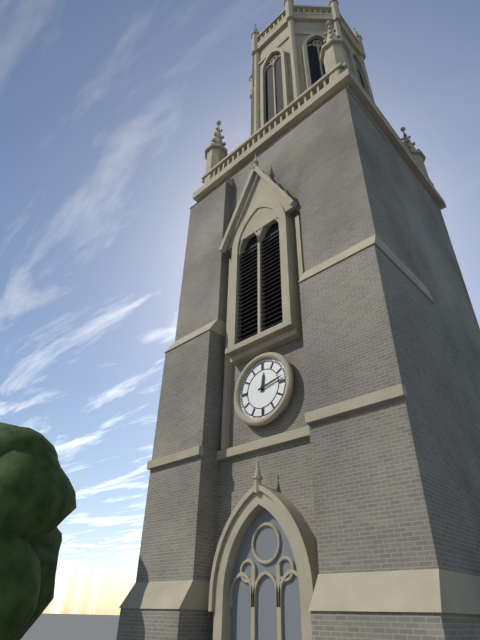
12h13
